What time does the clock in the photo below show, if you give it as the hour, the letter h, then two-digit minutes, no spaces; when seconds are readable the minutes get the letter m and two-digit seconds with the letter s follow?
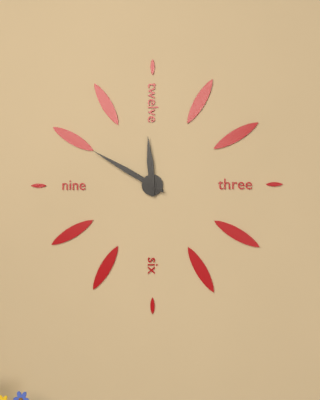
11h50
